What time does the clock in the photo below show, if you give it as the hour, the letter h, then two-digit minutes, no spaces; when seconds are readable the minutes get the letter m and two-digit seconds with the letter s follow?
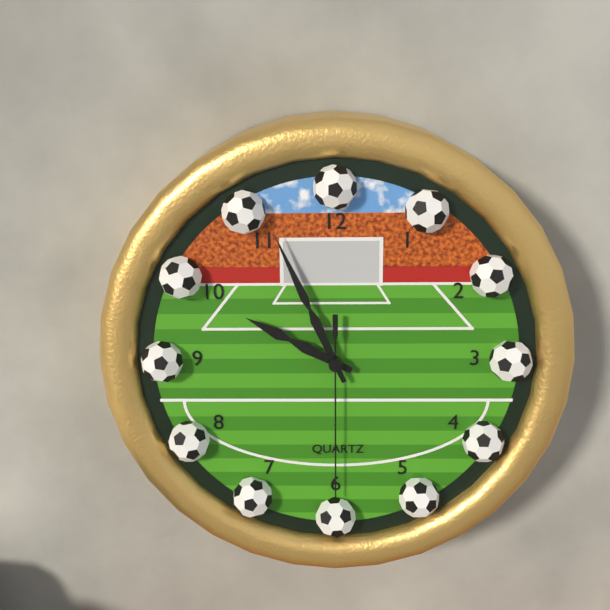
9h56m30s
